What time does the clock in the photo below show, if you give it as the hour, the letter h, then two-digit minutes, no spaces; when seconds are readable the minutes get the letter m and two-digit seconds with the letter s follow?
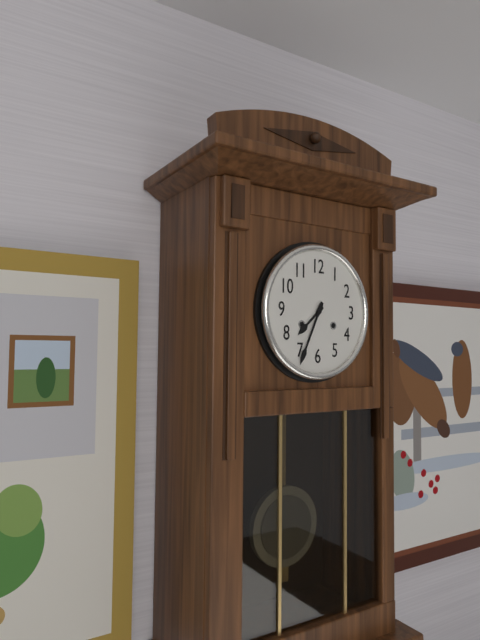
7h34
